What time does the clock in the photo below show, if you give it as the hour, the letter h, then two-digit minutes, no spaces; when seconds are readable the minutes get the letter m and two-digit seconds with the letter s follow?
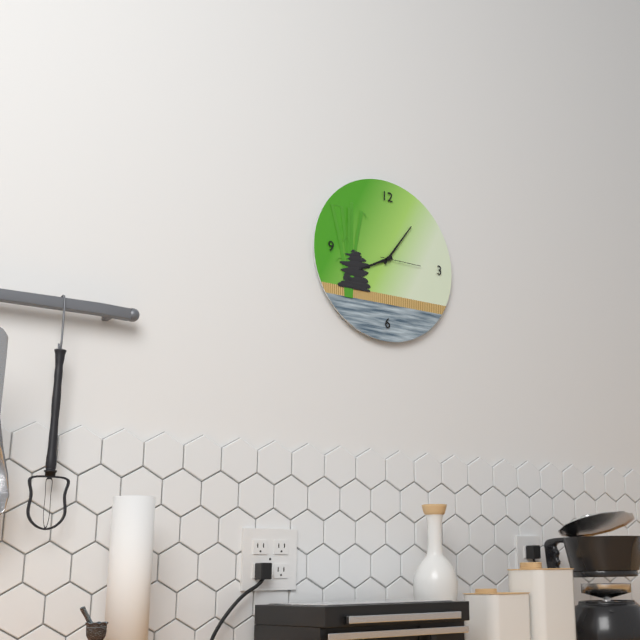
8h06
